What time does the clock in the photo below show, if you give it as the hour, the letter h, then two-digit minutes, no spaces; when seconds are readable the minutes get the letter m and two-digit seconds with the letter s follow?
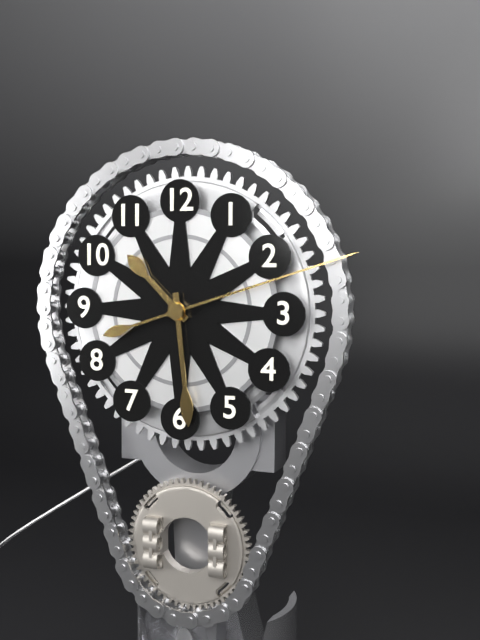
10h29m12s
